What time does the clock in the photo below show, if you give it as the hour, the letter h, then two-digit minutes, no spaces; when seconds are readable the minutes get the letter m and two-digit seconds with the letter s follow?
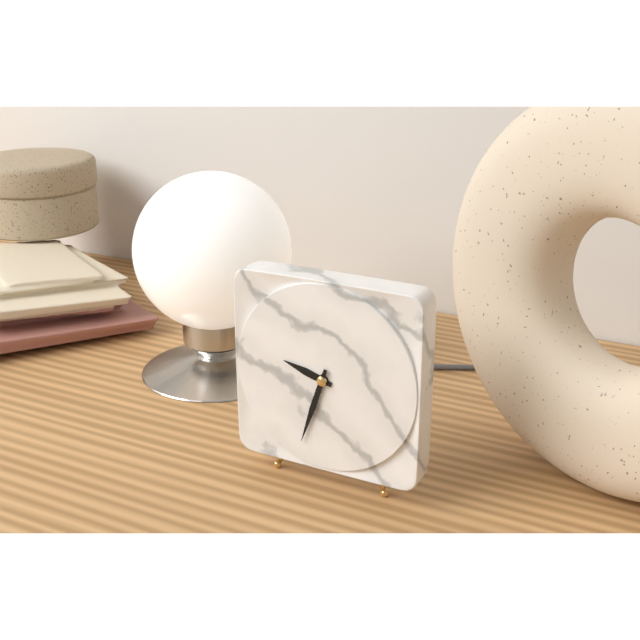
9h33
